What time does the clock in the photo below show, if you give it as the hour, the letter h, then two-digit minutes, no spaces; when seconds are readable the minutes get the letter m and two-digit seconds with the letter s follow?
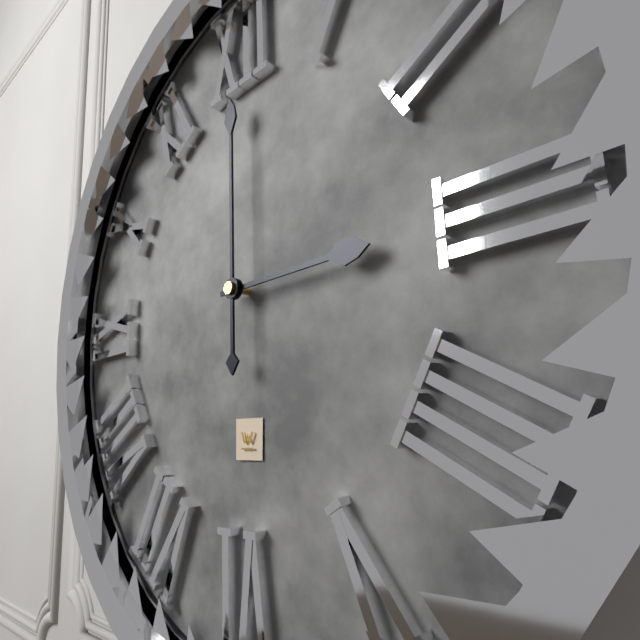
3h00
